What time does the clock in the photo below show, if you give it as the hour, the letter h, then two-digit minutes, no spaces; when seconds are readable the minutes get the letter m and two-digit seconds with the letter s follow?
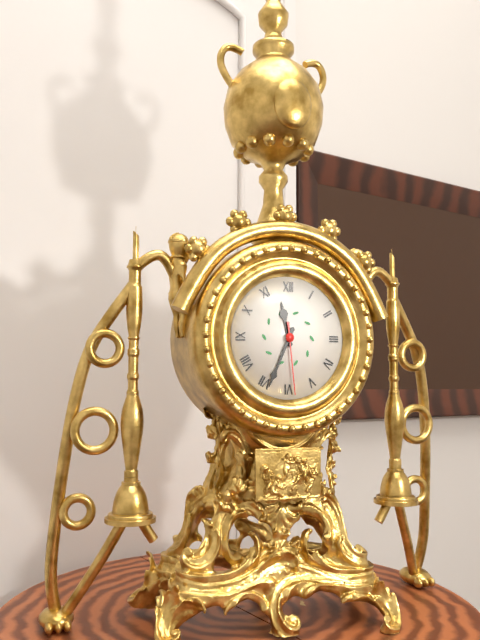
11h34m29s
